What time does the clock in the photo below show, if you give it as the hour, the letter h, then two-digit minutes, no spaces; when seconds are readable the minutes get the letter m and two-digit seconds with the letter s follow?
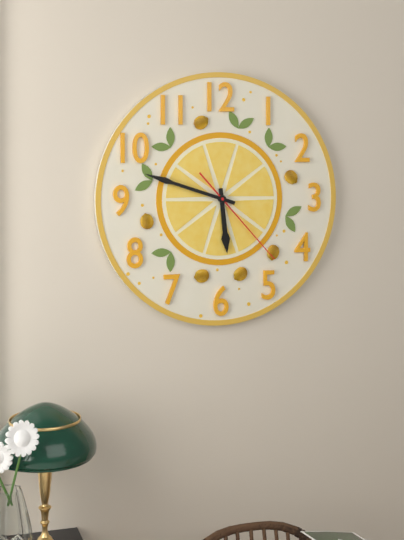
5h48m23s
